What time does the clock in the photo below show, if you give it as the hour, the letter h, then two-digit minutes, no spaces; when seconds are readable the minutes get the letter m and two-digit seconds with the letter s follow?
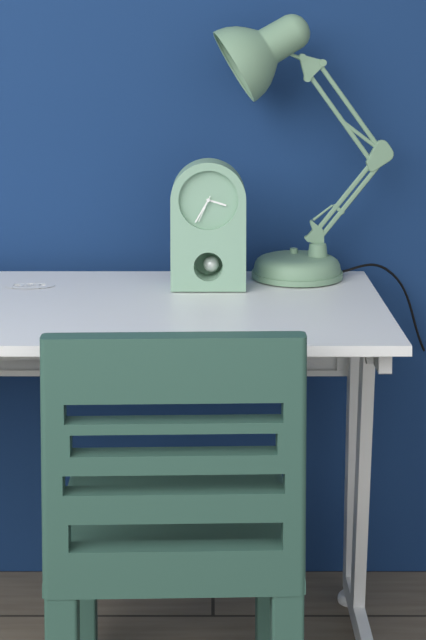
3h35
